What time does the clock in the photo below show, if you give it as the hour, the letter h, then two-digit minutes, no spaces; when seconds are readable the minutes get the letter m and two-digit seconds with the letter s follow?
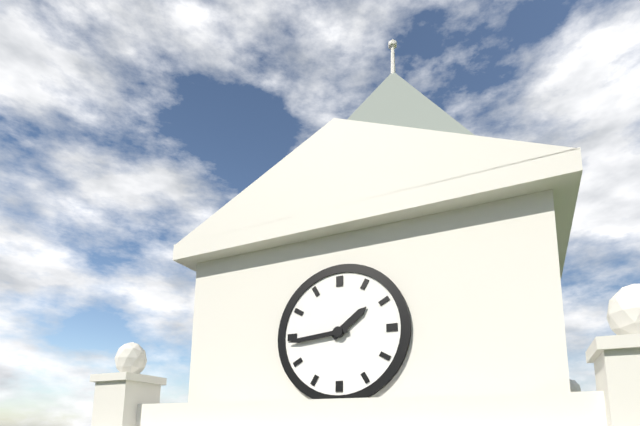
1h44
